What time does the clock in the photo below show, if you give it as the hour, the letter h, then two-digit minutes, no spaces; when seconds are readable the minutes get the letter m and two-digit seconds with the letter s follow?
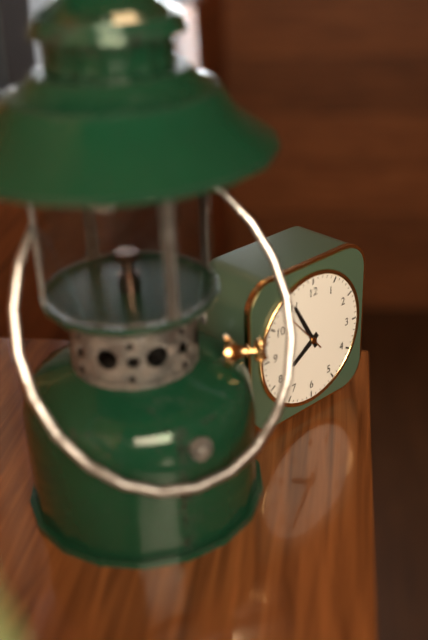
7h55
